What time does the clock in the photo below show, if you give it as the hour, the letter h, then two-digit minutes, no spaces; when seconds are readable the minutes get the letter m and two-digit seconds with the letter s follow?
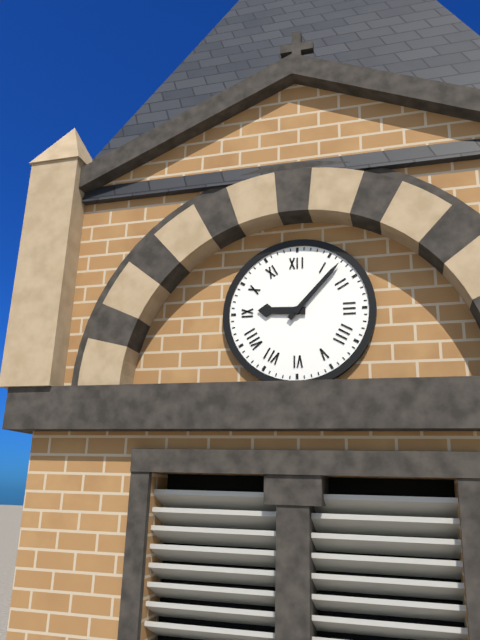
9h07
